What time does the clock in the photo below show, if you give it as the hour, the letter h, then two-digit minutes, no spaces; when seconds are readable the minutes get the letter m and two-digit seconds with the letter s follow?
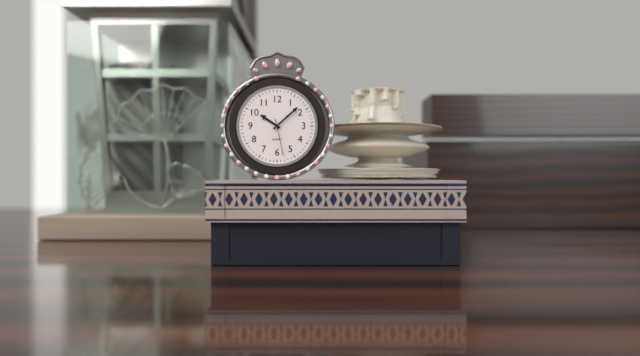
10h08
